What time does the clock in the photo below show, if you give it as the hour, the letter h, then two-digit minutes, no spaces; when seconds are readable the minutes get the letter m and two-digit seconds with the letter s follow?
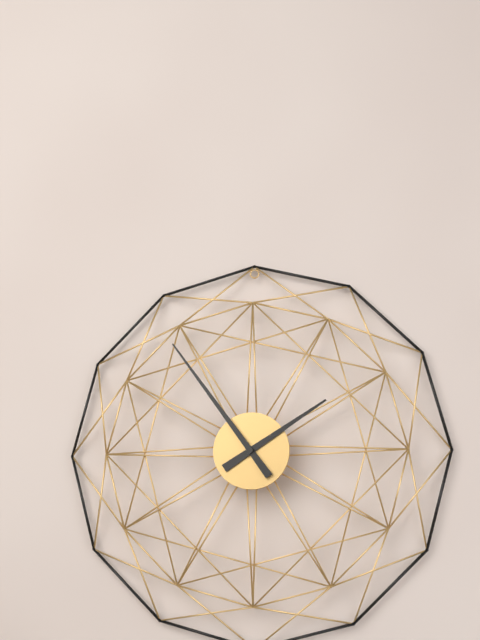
1h54
